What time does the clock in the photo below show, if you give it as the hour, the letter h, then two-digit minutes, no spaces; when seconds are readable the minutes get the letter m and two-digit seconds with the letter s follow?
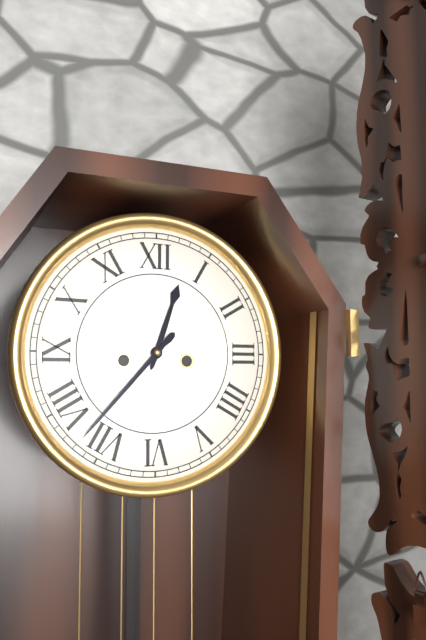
12h37
